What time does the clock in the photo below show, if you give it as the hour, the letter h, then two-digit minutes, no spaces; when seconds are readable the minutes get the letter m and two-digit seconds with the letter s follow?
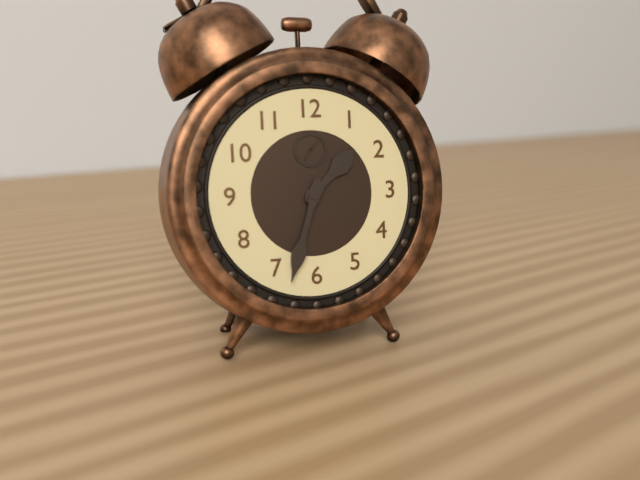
1h33
